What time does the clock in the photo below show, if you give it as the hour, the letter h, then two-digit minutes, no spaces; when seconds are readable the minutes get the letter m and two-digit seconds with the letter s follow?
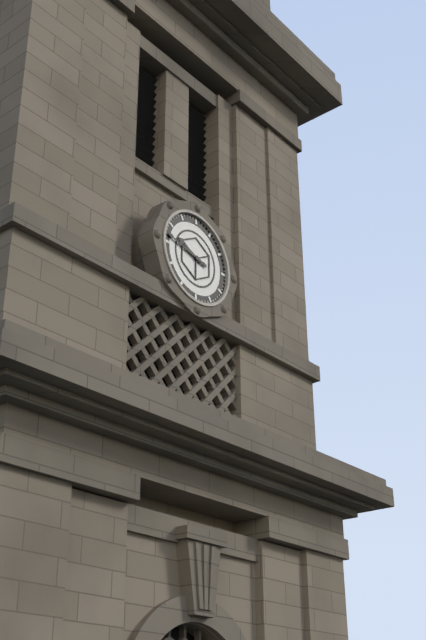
9h47
